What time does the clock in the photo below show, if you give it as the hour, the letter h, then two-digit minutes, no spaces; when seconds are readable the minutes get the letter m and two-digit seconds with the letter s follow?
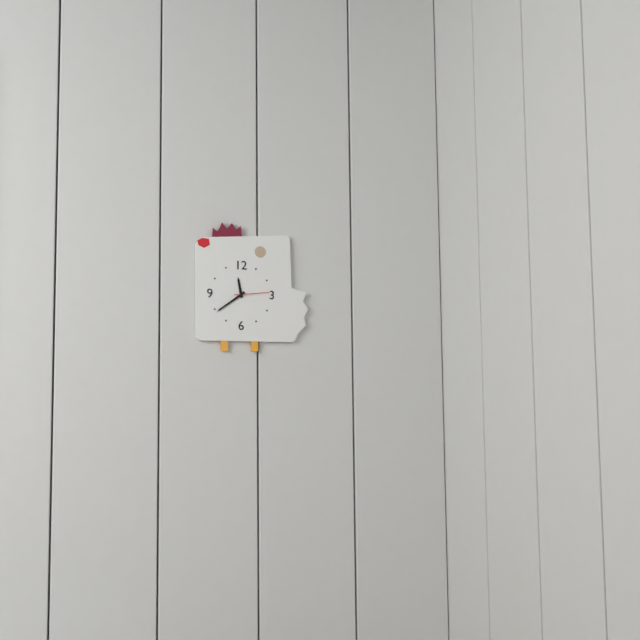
11h39
